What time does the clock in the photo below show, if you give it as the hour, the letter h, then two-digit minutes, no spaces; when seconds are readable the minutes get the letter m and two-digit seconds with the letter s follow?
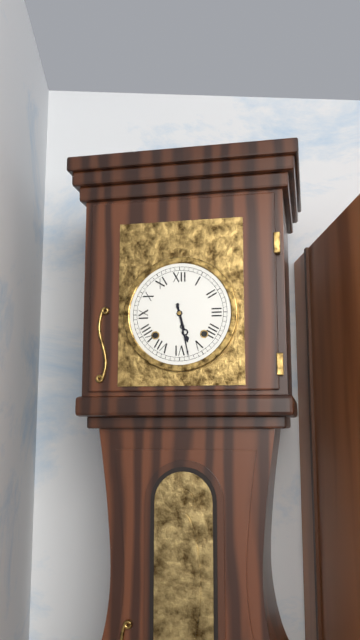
5h28
